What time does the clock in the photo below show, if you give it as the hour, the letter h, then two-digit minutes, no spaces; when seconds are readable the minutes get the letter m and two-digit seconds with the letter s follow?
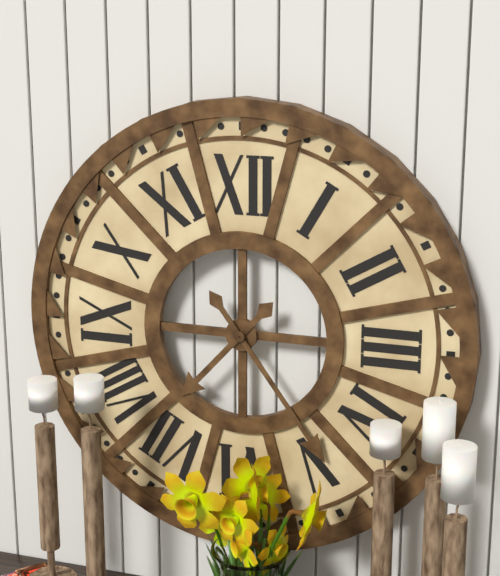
7h24
